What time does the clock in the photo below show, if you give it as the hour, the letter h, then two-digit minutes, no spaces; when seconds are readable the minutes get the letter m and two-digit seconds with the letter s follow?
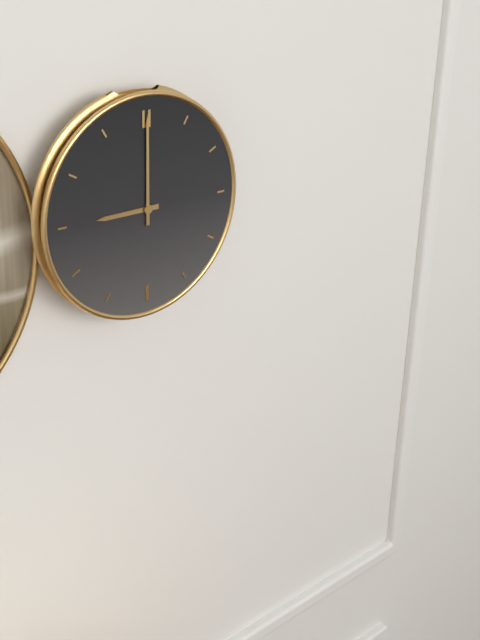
9h00
